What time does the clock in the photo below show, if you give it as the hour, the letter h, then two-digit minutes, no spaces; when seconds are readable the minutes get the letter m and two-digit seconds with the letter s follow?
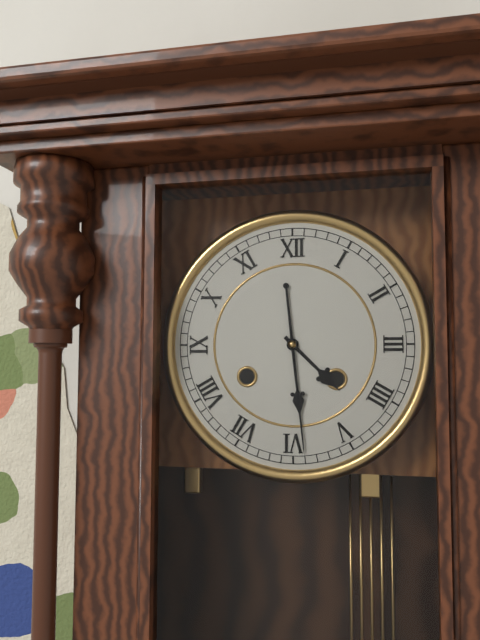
4h29
